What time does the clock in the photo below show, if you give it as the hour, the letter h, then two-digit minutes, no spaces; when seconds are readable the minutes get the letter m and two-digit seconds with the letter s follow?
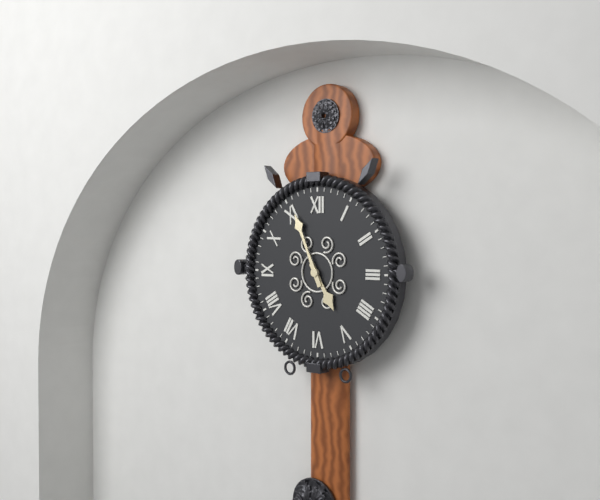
4h56
